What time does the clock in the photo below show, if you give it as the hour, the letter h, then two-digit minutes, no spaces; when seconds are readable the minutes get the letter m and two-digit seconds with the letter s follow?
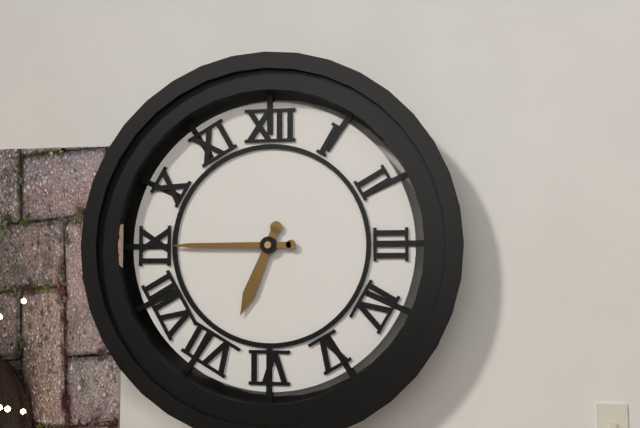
6h45
